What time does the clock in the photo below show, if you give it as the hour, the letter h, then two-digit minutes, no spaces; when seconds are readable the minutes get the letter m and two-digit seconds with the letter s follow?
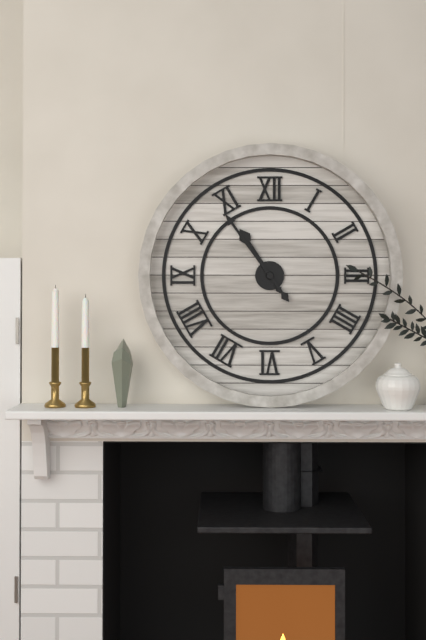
10h54
